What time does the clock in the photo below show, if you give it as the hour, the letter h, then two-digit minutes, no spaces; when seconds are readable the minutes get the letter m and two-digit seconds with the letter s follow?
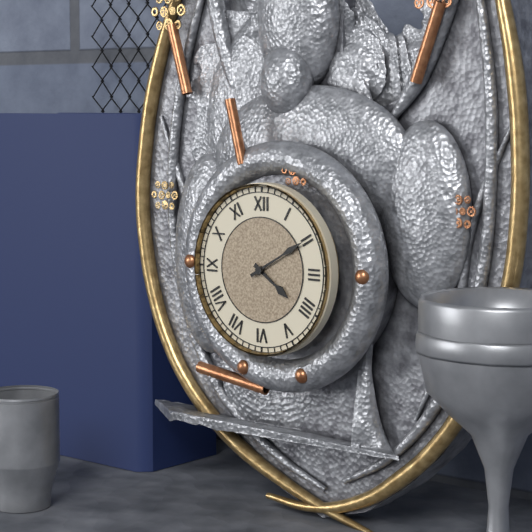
4h10
